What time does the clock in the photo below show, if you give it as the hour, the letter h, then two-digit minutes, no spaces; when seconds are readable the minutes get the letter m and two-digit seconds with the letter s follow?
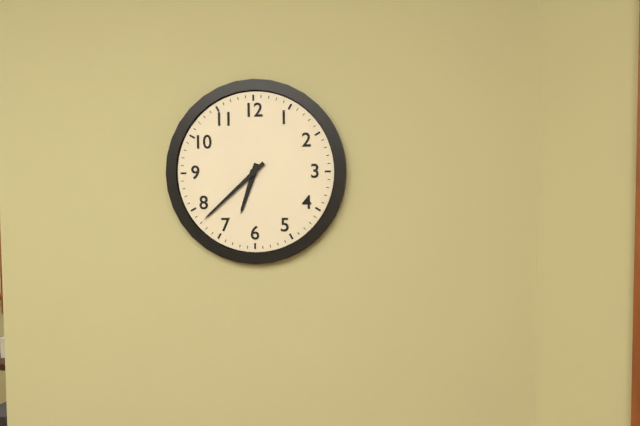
6h38
